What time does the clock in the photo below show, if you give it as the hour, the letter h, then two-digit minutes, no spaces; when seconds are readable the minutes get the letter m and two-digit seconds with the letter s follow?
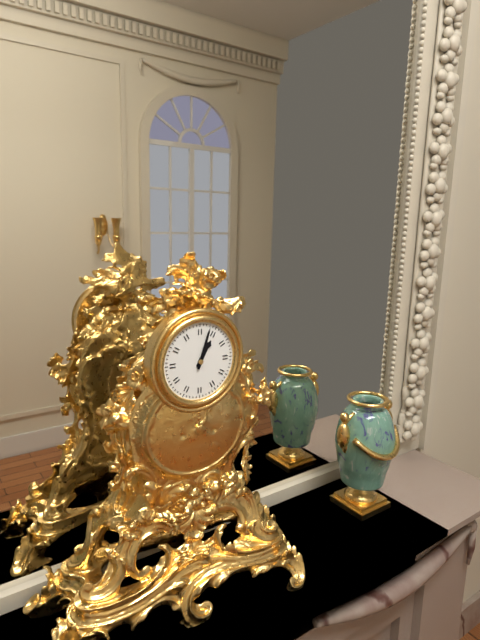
1h03
